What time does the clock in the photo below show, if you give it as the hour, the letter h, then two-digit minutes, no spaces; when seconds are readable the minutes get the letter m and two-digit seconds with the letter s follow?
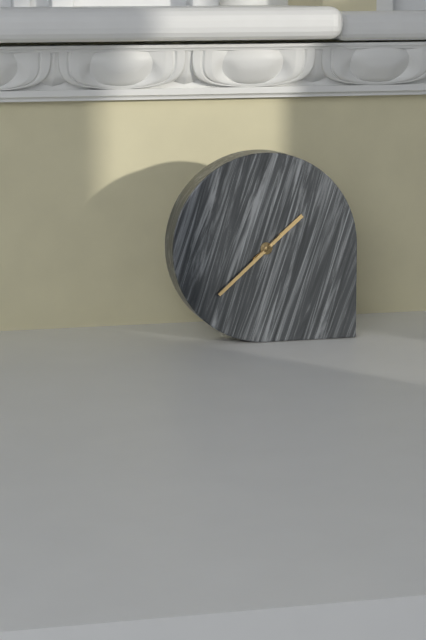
1h38
